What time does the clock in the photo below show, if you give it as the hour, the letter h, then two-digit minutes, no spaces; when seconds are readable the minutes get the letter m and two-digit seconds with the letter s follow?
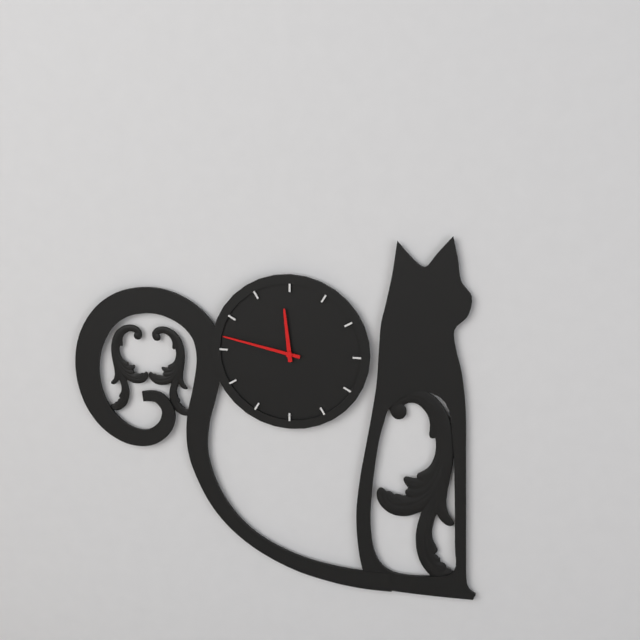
11h47
